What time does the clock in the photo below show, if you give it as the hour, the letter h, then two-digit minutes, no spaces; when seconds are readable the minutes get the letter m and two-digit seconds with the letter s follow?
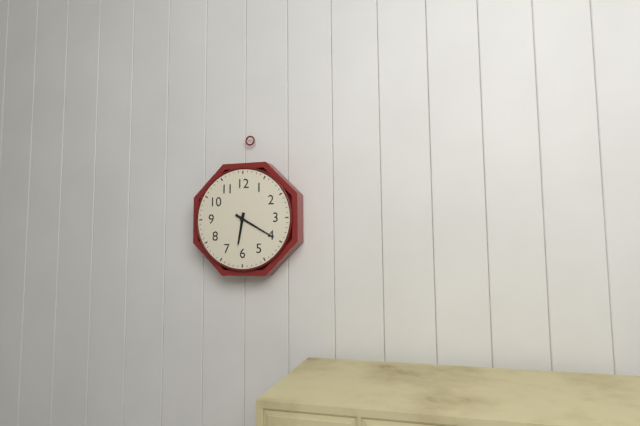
6h20
